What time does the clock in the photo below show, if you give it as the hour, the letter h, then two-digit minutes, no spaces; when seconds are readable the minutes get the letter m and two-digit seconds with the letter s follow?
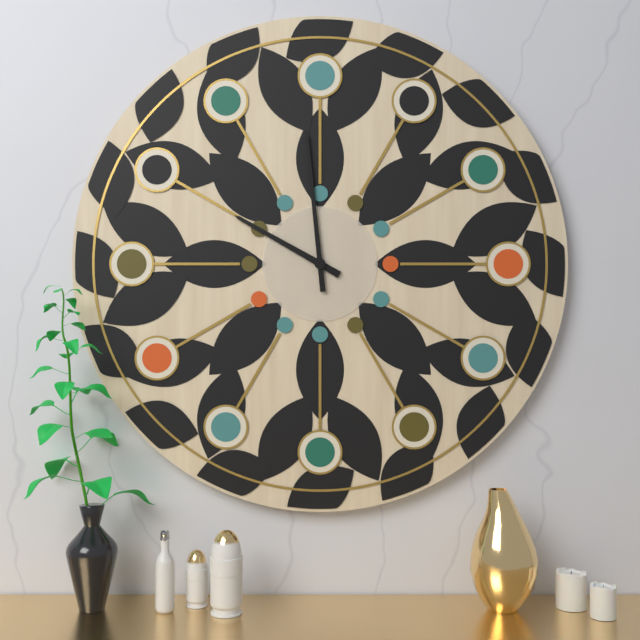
9h59
